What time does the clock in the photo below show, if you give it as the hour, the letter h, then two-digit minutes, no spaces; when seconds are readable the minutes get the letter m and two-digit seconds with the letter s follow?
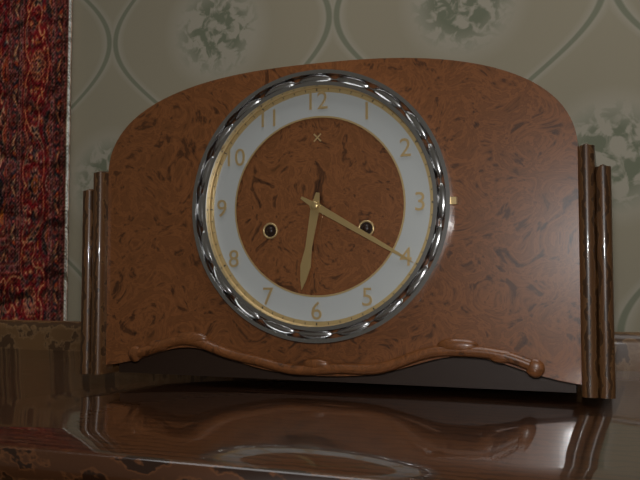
6h20
